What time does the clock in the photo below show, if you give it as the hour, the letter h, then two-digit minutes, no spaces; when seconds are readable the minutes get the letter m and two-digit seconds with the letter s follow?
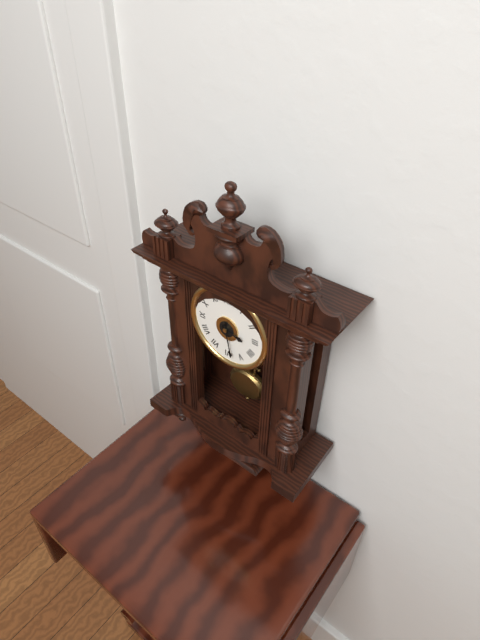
3h28
